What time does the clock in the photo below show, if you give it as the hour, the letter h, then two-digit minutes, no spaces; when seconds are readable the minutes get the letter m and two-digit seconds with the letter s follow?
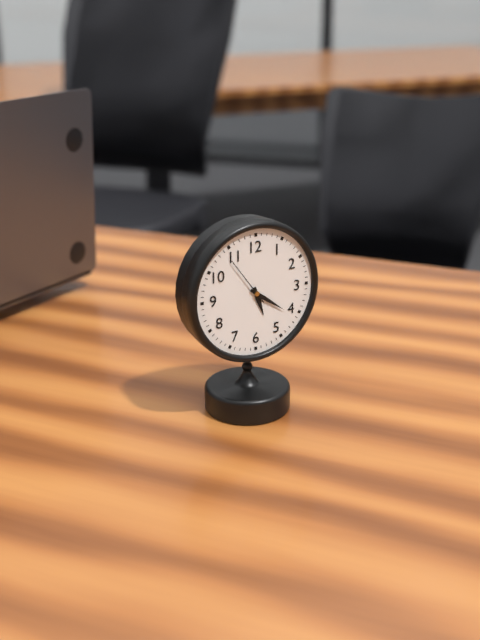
5h21m54s
